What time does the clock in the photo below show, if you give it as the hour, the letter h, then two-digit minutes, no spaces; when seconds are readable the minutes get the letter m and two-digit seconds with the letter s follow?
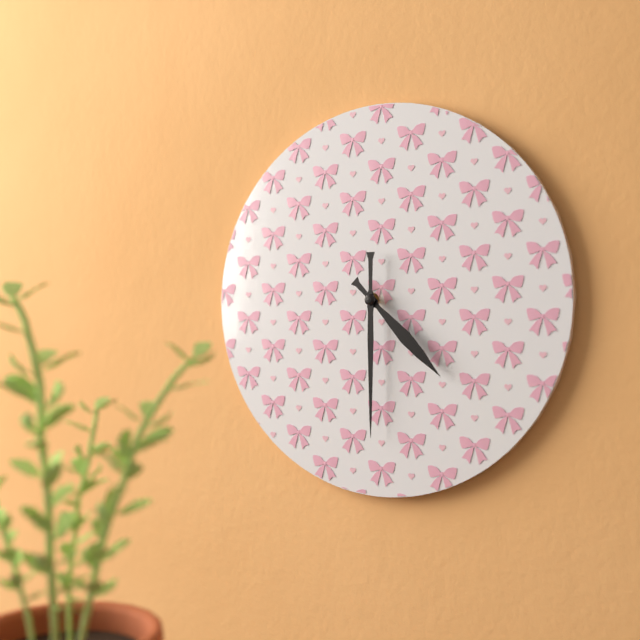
4h30
